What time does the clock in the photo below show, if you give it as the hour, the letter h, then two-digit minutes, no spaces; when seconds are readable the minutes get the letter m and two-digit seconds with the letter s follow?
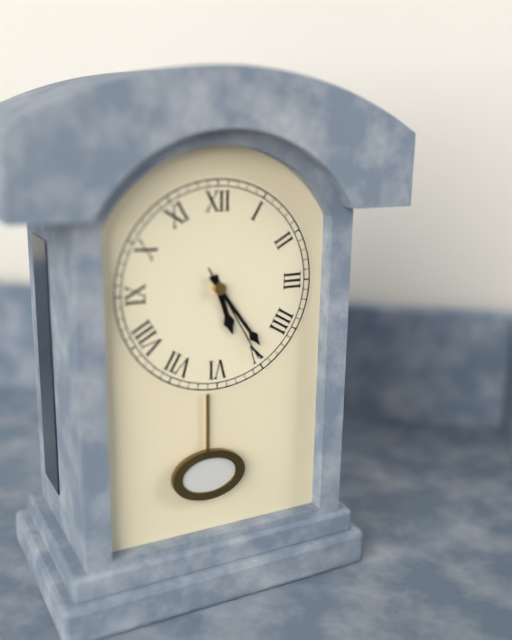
5h24m25s
